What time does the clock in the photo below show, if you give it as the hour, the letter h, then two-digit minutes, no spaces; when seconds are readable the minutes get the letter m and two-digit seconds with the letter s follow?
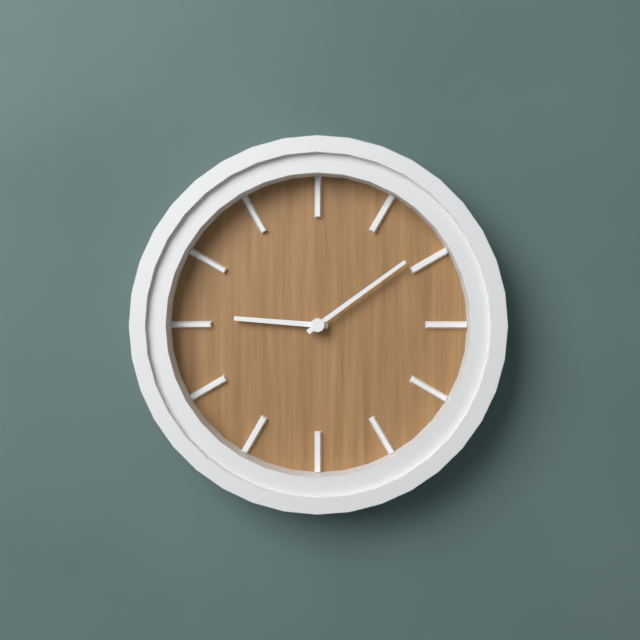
9h09
